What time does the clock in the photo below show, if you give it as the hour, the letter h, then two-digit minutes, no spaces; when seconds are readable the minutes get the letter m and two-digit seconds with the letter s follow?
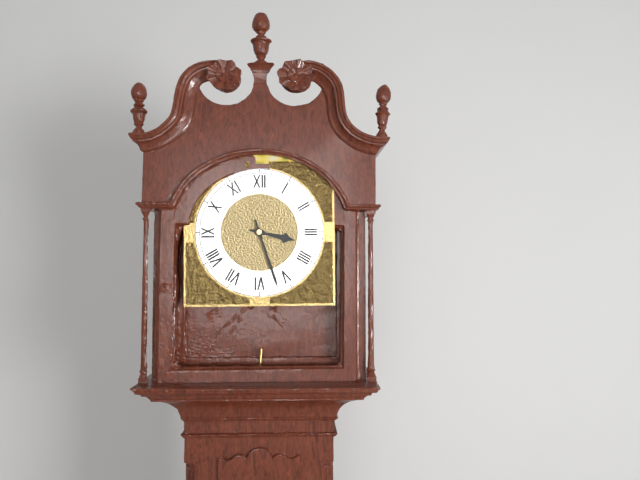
3h27
